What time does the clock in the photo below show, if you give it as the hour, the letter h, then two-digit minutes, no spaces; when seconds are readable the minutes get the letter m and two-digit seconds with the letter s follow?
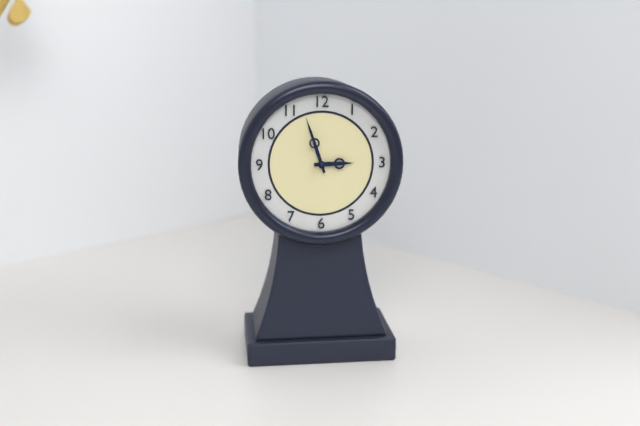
2h57
